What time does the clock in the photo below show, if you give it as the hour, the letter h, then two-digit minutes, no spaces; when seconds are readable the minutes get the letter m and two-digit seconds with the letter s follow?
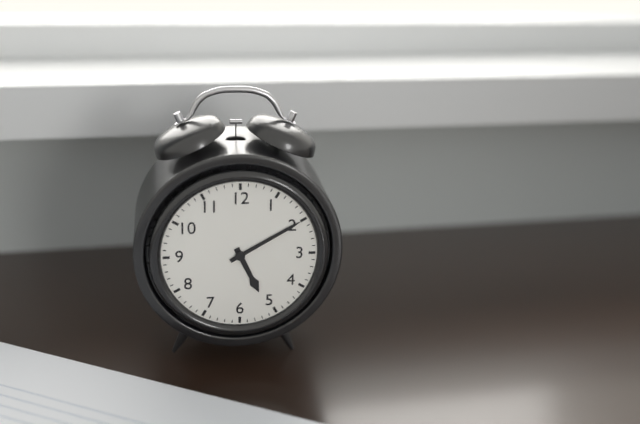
5h10
